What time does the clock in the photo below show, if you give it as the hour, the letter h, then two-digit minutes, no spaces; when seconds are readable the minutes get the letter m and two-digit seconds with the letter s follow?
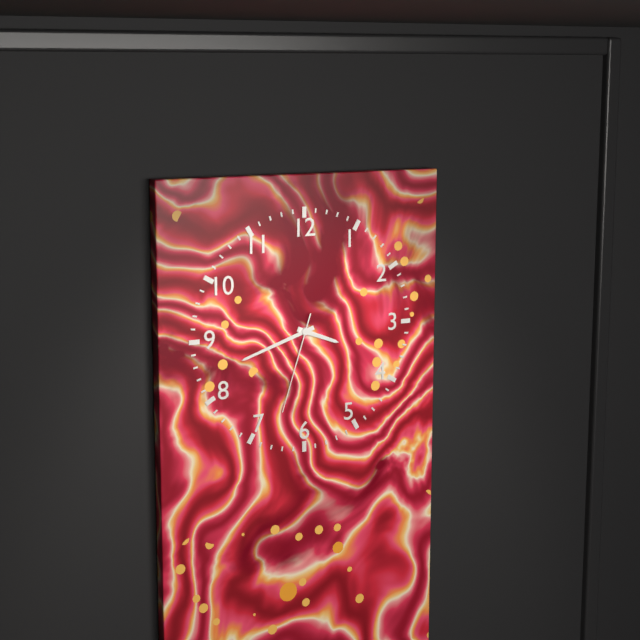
3h42m33s
